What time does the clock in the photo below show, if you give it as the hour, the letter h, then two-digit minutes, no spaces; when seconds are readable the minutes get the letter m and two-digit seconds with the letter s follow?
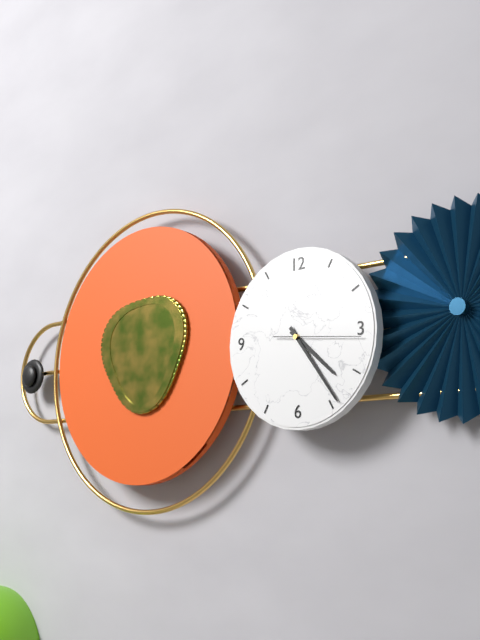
4h24m16s
